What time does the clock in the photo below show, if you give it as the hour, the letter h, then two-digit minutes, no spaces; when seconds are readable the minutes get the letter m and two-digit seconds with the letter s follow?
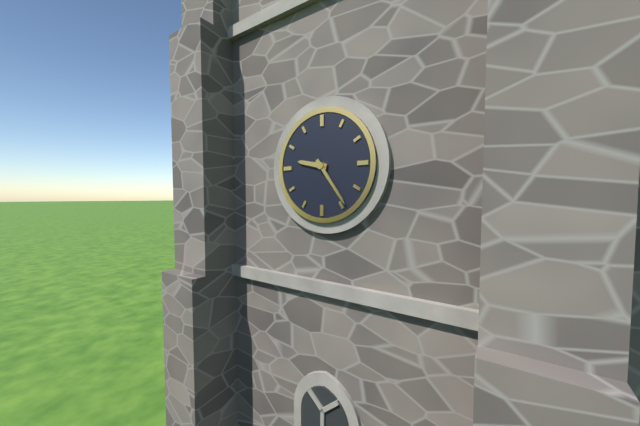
9h24
